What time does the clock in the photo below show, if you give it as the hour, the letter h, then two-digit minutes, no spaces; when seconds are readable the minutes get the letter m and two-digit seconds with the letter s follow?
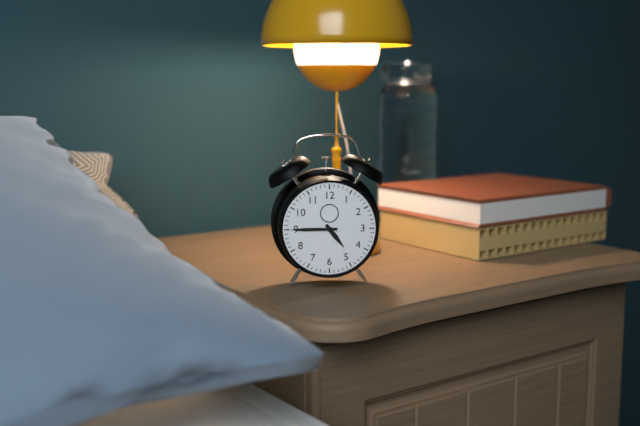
4h45
